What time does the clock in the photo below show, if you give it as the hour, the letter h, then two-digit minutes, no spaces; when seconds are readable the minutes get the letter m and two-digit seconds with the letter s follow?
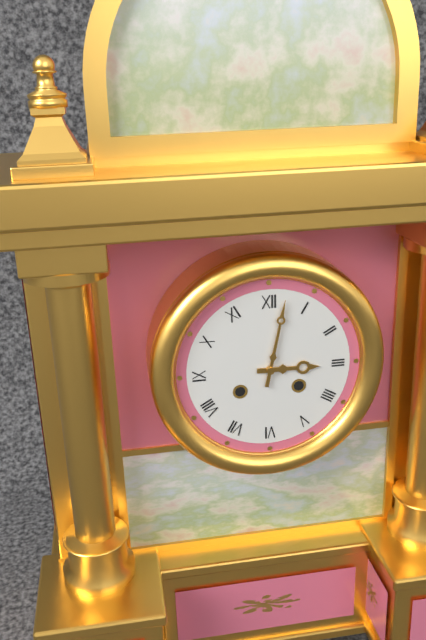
3h02
